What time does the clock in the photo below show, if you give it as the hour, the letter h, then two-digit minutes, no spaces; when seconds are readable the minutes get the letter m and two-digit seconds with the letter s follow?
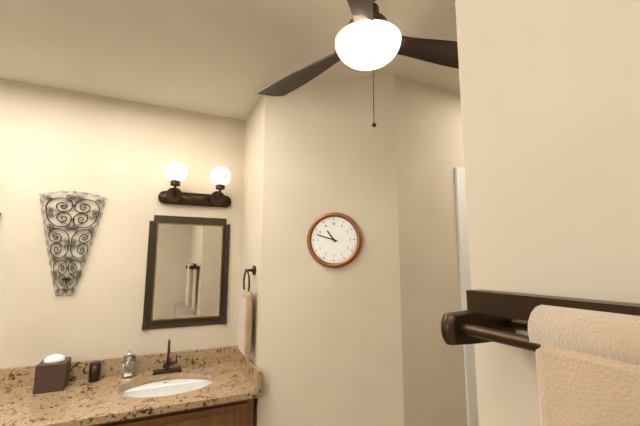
10h48
